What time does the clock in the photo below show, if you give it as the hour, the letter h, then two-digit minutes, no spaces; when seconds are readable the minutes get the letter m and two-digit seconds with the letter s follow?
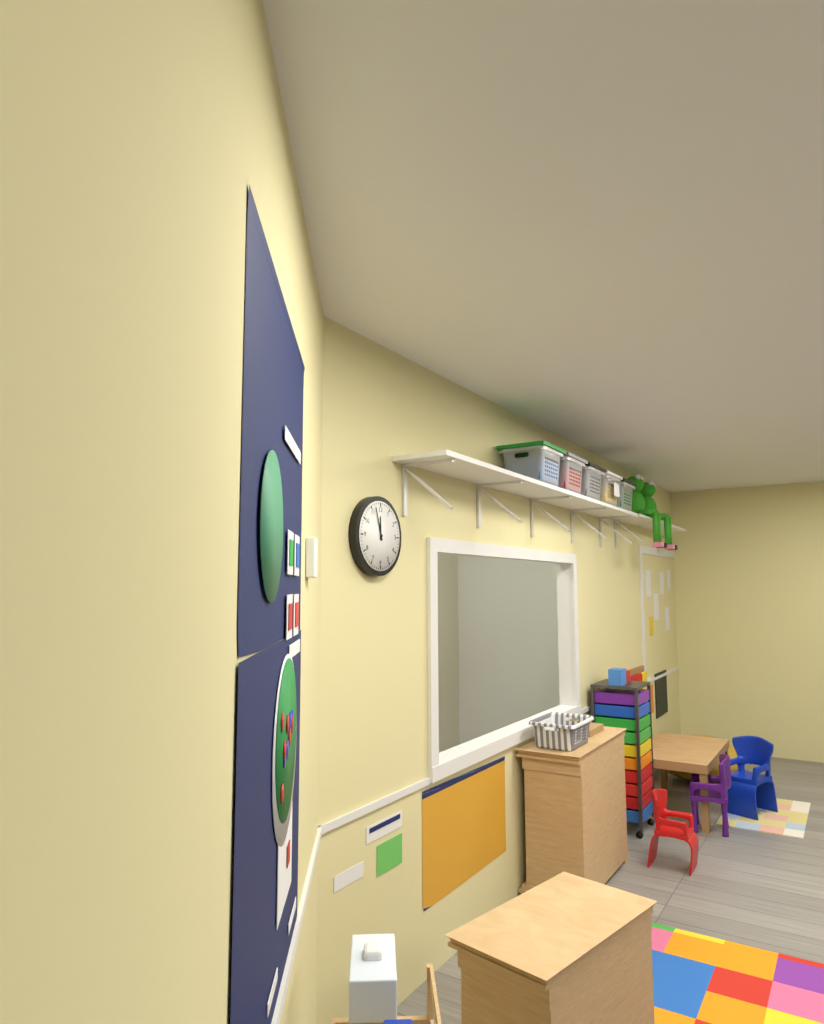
11h57
